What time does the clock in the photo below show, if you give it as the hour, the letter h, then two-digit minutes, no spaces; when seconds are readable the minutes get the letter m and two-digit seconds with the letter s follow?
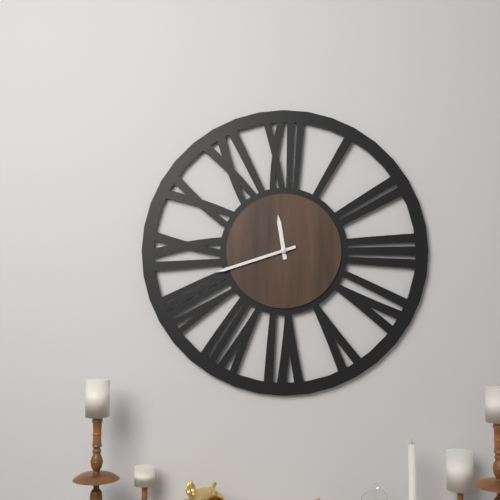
11h42
